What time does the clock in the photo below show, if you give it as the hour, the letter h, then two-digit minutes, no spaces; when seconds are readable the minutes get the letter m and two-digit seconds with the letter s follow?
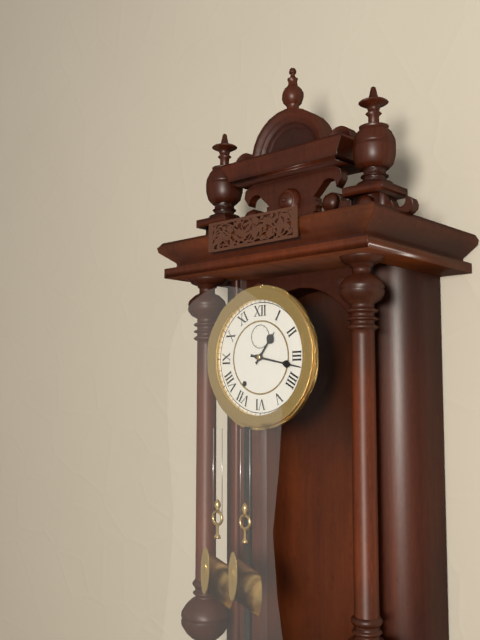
1h17
